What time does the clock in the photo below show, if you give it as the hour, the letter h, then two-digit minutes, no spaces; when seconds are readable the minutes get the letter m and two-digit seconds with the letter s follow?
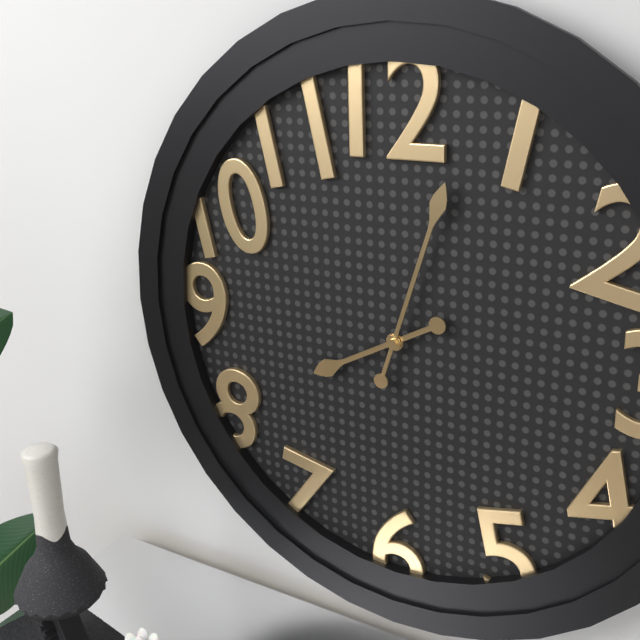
8h03
